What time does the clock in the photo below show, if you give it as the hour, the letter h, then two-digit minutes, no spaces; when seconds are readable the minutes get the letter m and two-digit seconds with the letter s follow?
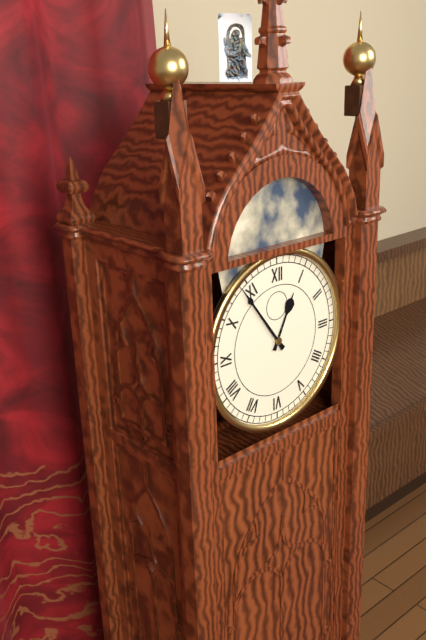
12h54
